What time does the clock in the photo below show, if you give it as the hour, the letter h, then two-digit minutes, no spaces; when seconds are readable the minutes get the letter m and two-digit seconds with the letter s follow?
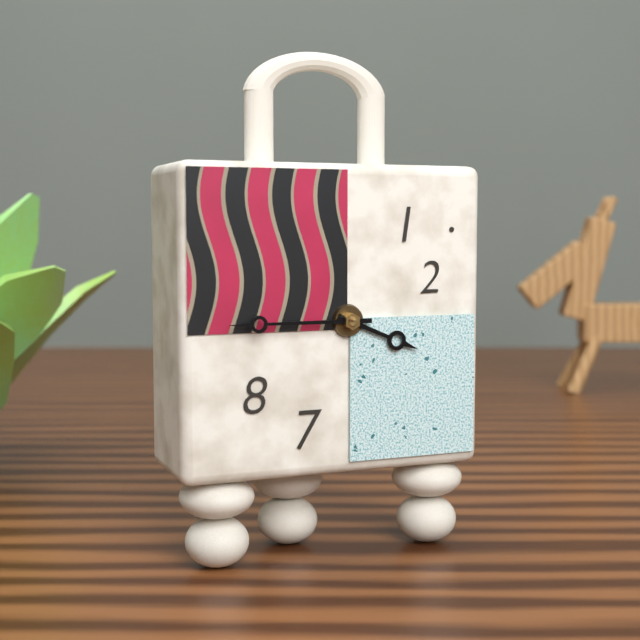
3h45
